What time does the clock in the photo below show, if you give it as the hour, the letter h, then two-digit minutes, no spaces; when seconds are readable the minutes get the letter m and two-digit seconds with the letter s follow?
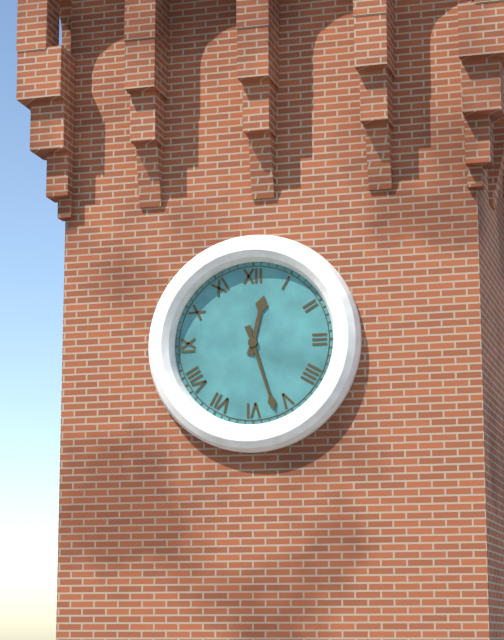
12h27
